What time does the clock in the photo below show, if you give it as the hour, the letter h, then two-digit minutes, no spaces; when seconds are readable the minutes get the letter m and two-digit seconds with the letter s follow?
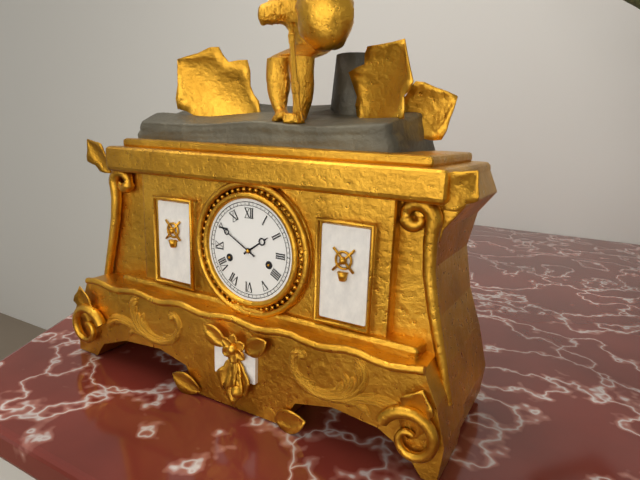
1h50
